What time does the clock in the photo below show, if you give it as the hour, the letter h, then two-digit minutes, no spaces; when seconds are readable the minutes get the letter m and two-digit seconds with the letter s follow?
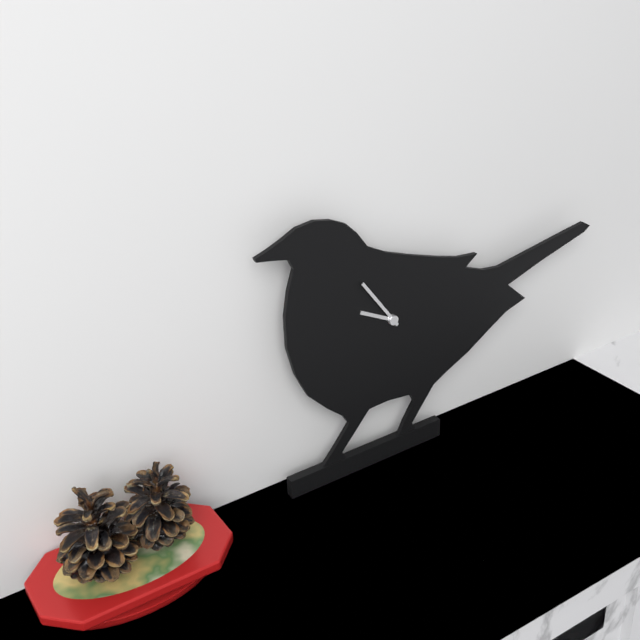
9h54
